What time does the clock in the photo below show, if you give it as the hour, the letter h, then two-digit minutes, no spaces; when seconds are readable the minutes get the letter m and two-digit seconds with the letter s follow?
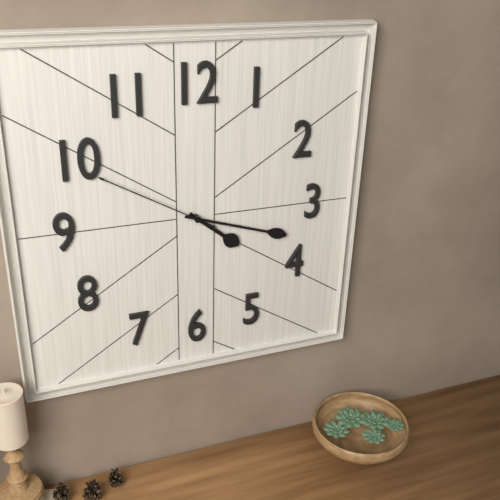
4h18m50s
